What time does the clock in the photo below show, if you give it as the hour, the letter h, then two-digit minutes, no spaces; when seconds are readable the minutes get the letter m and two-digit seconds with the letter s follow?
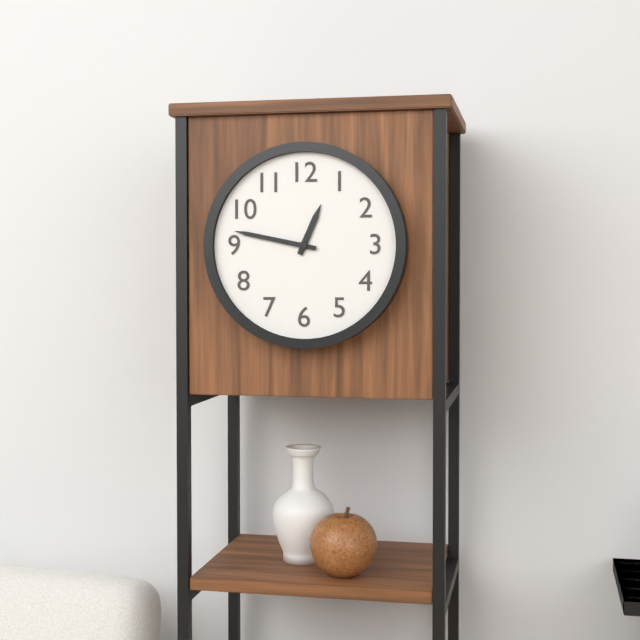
12h47
